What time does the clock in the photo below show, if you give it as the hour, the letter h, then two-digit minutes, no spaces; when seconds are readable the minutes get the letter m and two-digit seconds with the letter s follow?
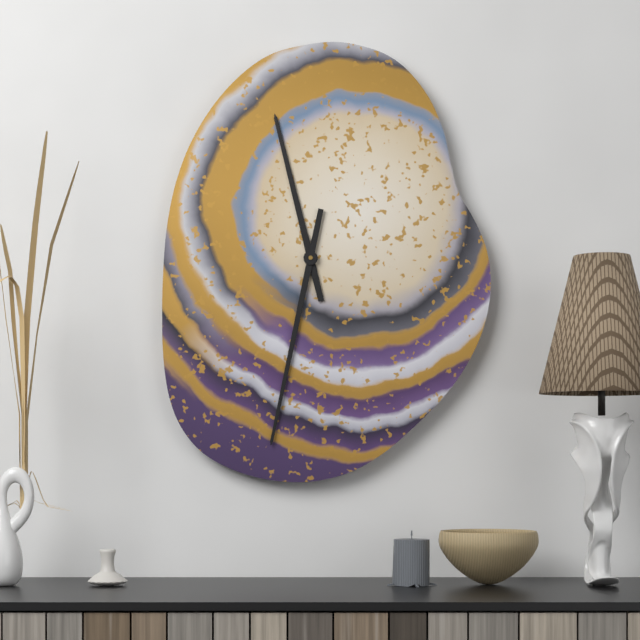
11h32
